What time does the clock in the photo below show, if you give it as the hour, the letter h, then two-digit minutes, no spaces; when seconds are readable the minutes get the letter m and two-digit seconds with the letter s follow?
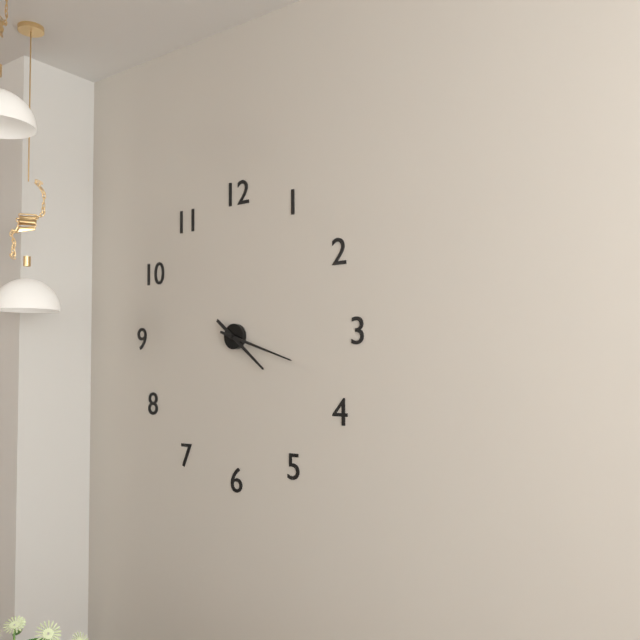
4h18
